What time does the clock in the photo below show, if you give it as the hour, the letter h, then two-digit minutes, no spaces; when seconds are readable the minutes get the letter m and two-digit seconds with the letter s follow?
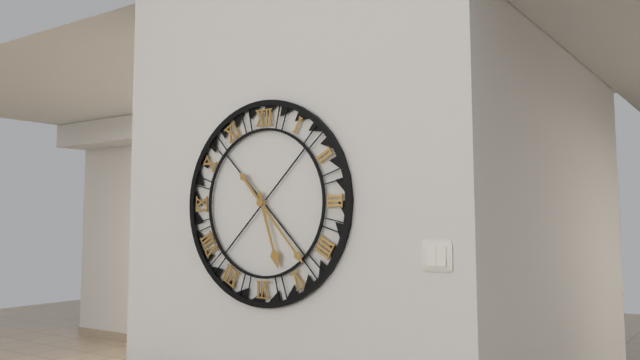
5h23
